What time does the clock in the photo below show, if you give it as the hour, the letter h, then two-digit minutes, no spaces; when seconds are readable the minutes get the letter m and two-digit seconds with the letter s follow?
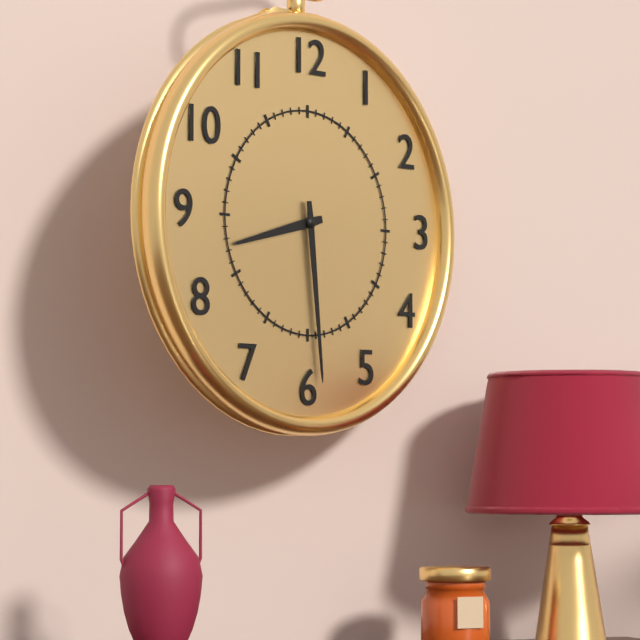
8h29
